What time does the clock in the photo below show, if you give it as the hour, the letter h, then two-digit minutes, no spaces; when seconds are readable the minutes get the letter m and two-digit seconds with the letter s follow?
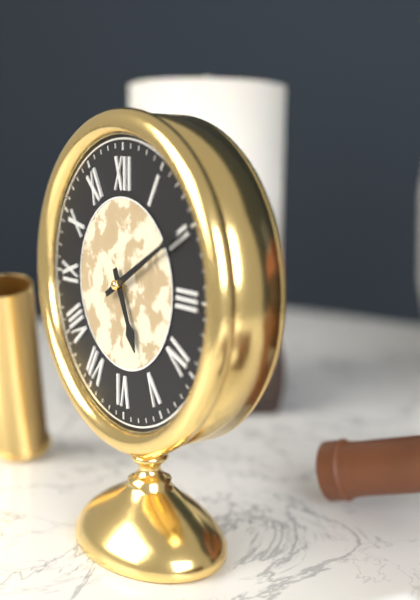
5h10
